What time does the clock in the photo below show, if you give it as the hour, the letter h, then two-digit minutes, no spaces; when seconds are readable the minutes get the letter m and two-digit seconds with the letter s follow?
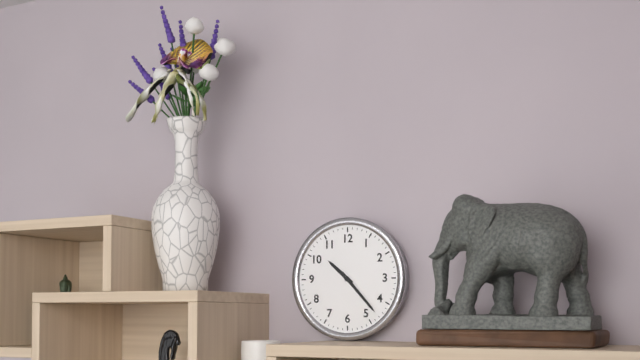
10h23
